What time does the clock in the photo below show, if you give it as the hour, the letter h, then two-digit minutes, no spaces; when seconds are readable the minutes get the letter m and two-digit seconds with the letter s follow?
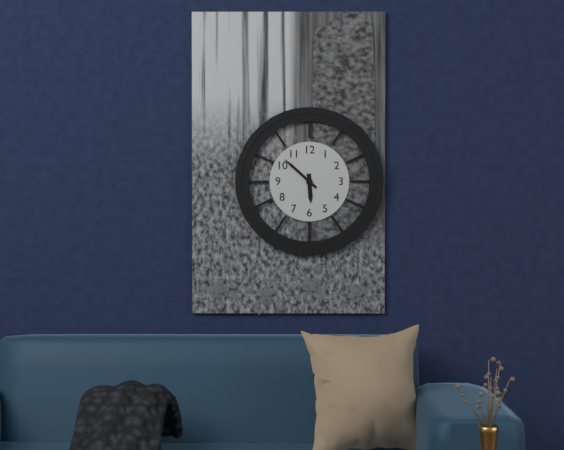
5h52
